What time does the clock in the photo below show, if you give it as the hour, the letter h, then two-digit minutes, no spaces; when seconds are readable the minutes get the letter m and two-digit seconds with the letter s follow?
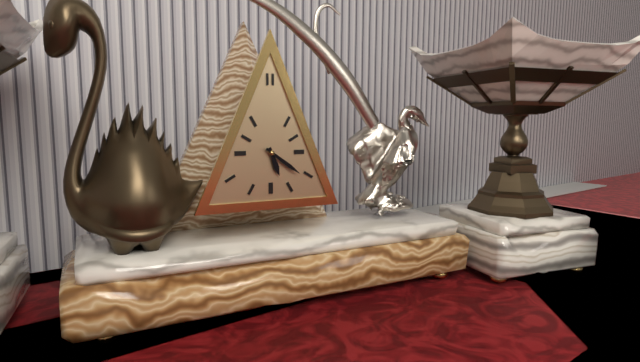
5h21
